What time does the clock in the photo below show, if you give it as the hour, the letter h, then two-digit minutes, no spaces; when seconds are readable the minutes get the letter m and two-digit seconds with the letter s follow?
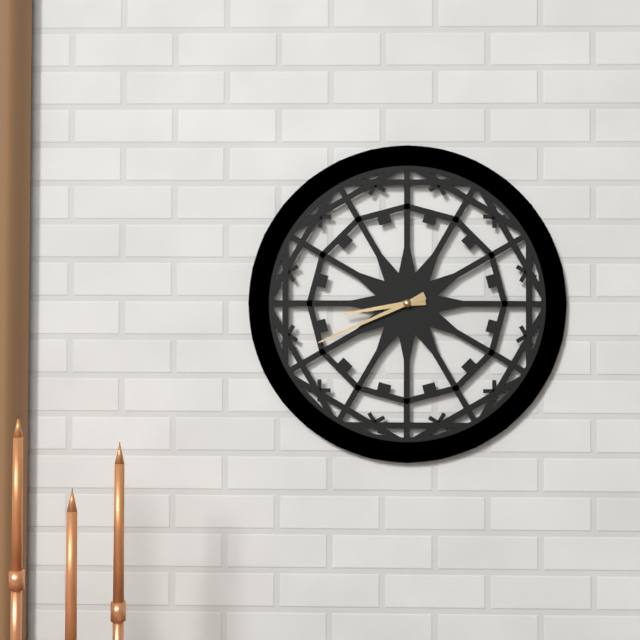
8h41
